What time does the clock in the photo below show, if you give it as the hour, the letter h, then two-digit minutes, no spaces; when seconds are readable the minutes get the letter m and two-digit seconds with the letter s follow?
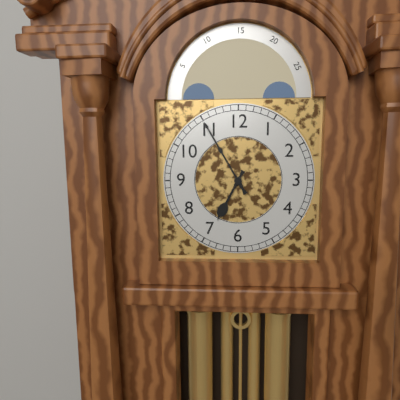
6h55
